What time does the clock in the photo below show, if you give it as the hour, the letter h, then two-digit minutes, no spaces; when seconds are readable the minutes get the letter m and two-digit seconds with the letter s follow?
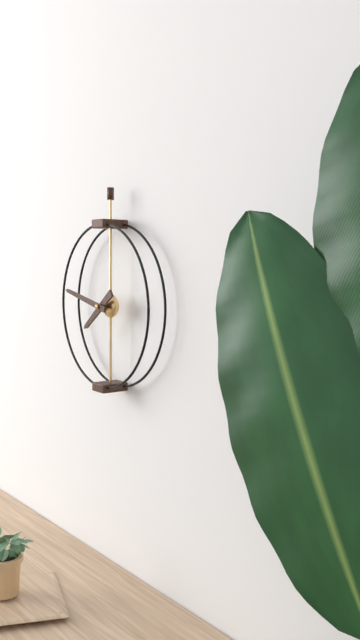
7h47
